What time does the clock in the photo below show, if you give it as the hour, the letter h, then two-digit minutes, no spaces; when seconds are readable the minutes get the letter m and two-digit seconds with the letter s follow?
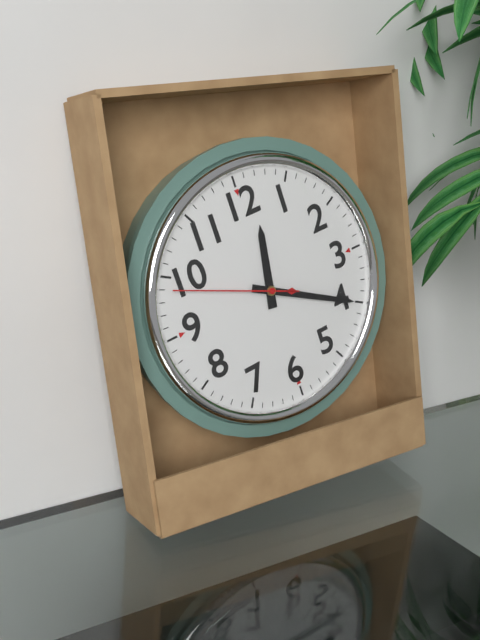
12h20m49s
